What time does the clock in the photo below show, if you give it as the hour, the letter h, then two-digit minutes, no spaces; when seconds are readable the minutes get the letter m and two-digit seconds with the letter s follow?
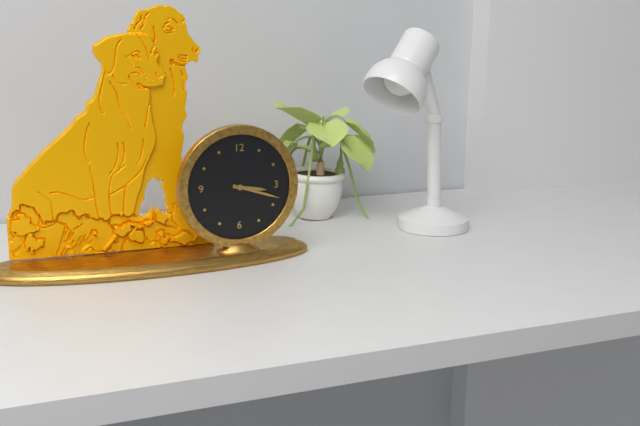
3h18
